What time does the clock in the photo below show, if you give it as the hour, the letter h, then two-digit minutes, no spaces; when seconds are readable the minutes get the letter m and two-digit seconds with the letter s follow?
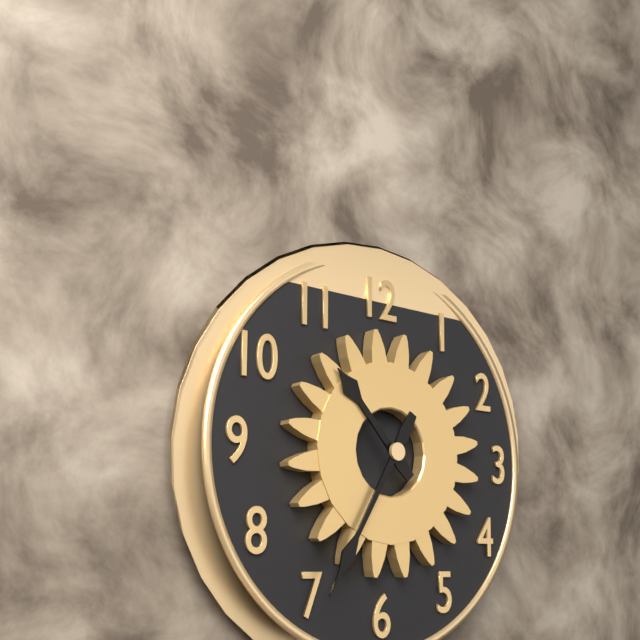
10h35
